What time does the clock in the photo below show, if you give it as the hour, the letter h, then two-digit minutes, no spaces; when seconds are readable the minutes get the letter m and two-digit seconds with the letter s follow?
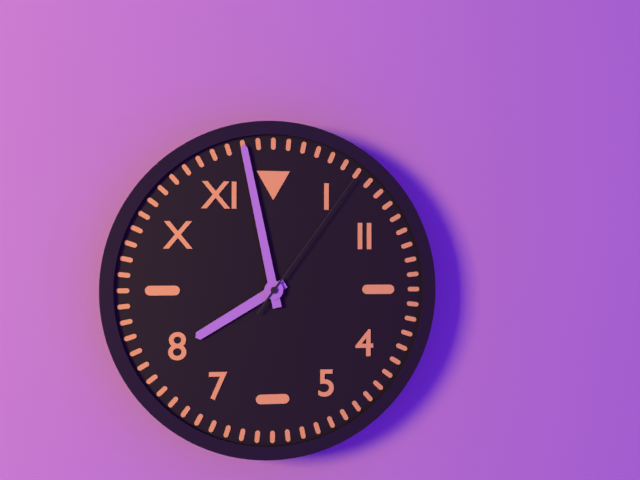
7h58m06s
